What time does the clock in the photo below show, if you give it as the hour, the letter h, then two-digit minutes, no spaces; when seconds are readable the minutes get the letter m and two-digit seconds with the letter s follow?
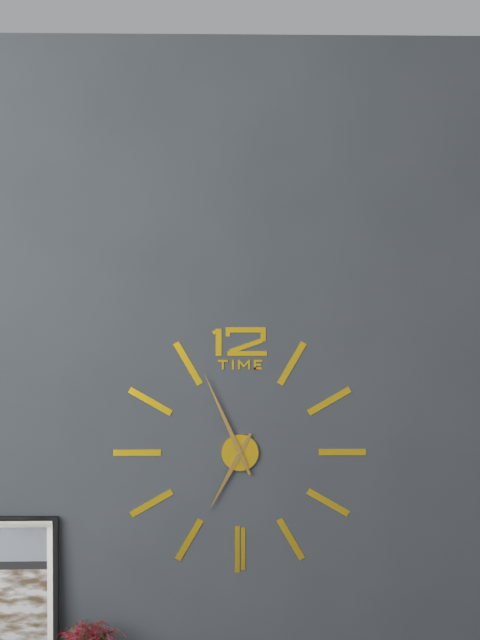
6h56
